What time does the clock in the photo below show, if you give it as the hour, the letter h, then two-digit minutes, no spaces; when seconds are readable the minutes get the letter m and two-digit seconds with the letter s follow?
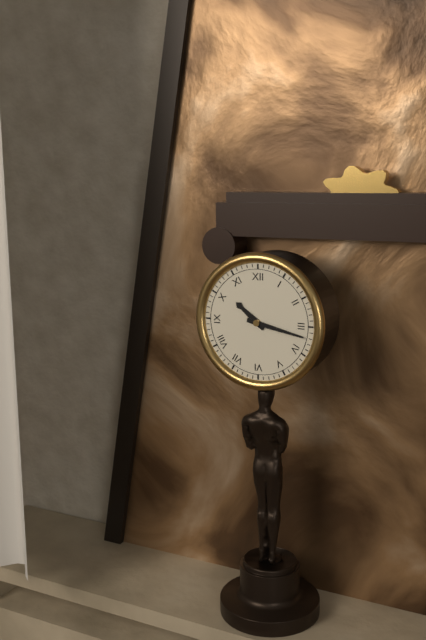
10h17
